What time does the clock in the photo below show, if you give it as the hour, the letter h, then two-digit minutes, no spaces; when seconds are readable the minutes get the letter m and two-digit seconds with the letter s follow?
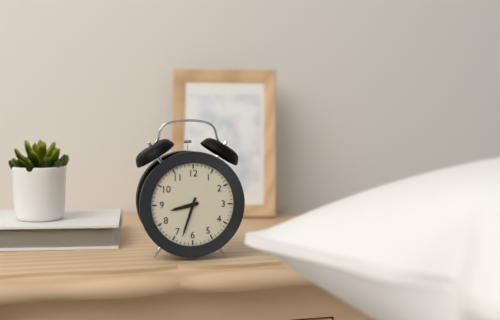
8h33
